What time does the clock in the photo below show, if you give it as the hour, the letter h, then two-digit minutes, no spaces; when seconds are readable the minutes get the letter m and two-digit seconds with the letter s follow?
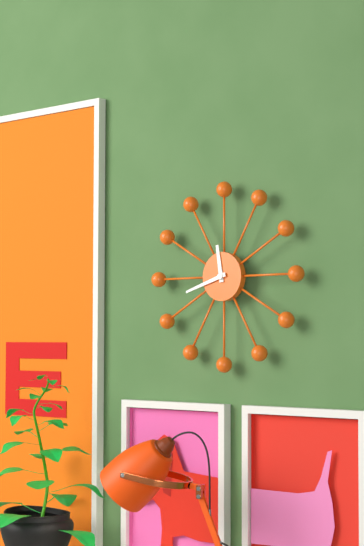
11h42
